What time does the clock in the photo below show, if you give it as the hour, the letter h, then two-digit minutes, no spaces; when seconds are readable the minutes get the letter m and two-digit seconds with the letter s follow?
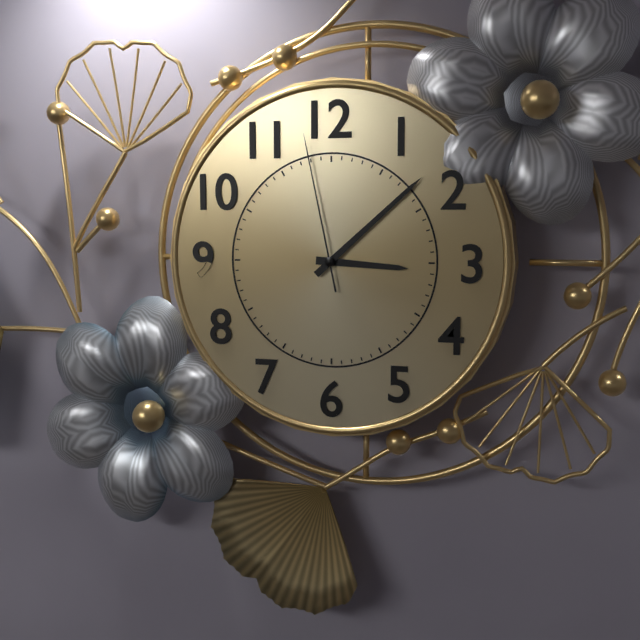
3h08m58s
